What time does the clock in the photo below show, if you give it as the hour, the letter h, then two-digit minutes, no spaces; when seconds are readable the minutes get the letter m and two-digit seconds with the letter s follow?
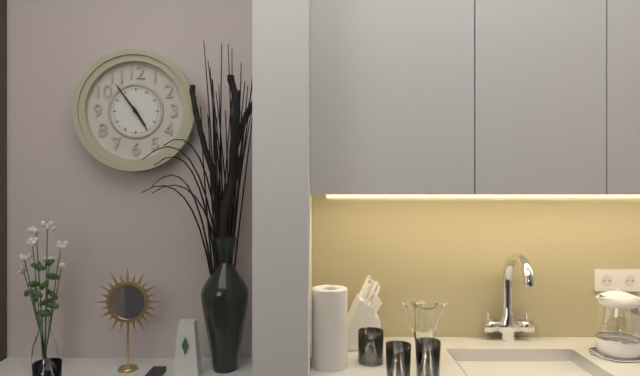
4h54
